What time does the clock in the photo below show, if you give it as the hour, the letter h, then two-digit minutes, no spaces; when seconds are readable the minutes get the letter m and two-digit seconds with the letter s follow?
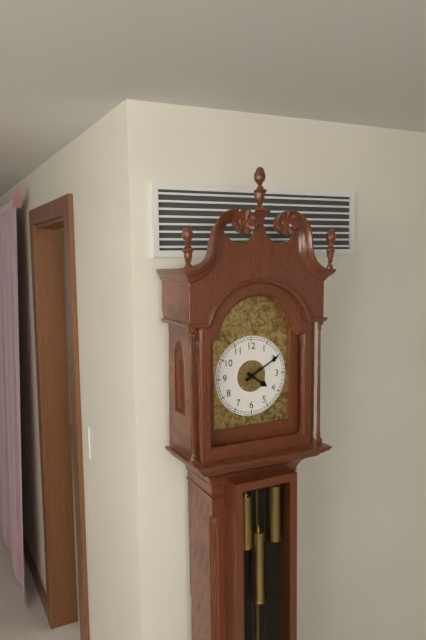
4h10
